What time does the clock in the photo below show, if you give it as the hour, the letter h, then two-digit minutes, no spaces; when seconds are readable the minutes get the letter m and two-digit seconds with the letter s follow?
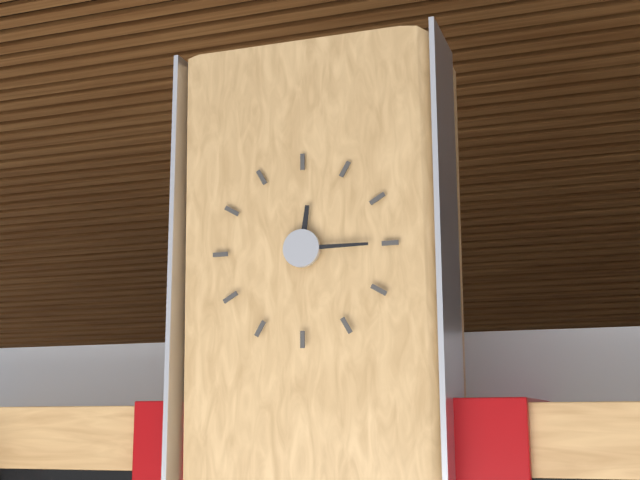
12h15
